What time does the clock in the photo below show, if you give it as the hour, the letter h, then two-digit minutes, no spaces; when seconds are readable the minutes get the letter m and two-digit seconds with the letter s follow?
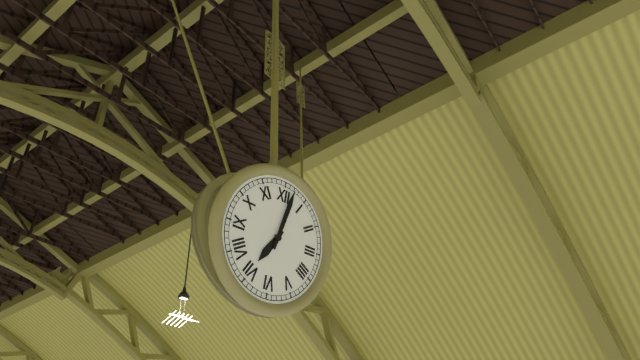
7h02
